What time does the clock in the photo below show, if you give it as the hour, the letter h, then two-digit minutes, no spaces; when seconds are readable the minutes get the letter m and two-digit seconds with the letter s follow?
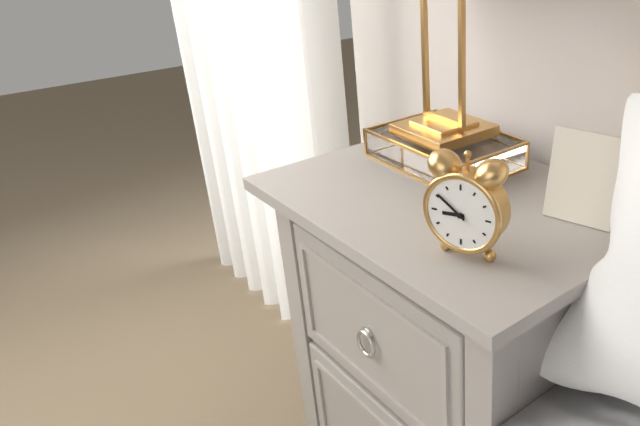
8h51
